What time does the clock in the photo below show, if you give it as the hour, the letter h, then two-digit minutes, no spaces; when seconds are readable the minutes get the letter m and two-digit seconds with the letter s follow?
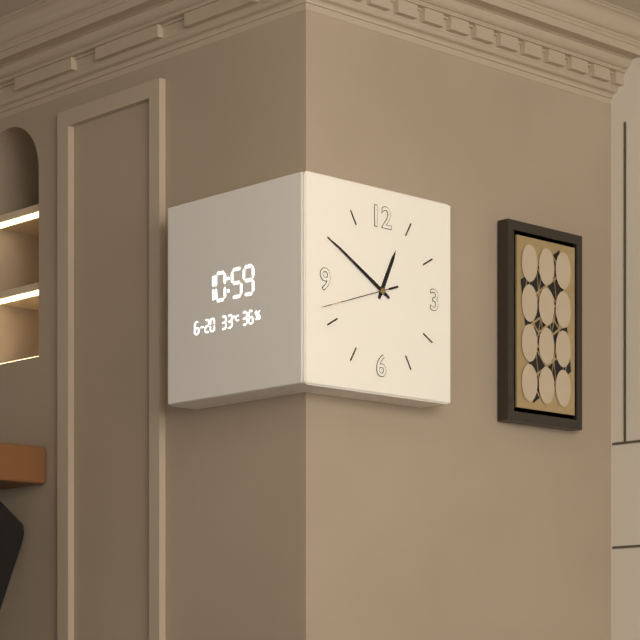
12h50m42s
